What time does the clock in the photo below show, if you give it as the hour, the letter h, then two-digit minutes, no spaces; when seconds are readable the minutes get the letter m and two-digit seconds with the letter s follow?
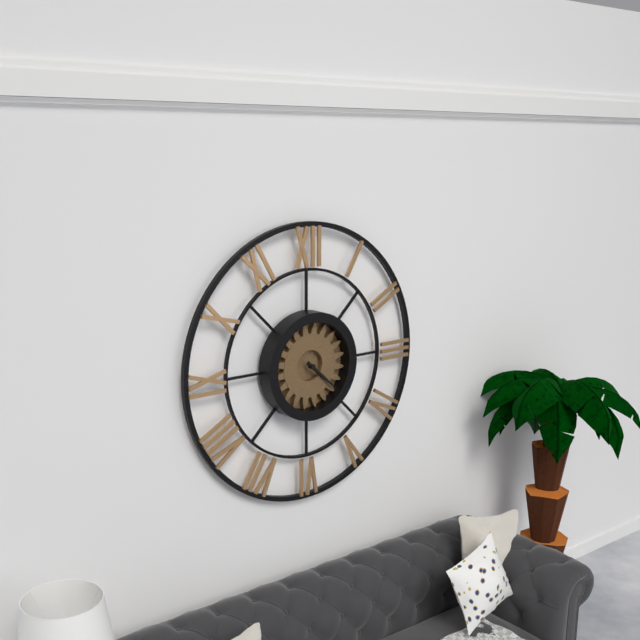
4h22
